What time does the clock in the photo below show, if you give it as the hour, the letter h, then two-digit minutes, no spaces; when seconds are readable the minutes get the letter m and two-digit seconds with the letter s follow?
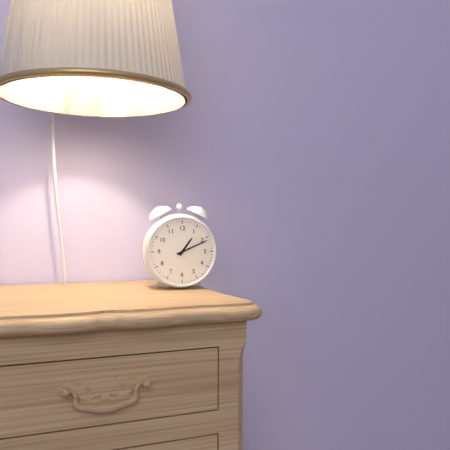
1h11
